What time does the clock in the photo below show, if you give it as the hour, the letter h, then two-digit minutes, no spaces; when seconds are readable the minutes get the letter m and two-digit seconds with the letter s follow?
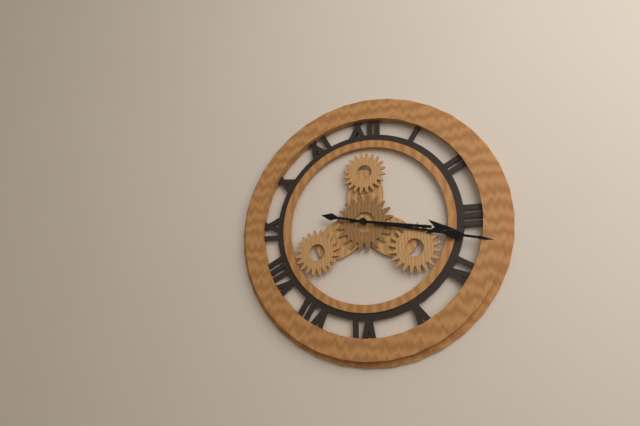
3h17
